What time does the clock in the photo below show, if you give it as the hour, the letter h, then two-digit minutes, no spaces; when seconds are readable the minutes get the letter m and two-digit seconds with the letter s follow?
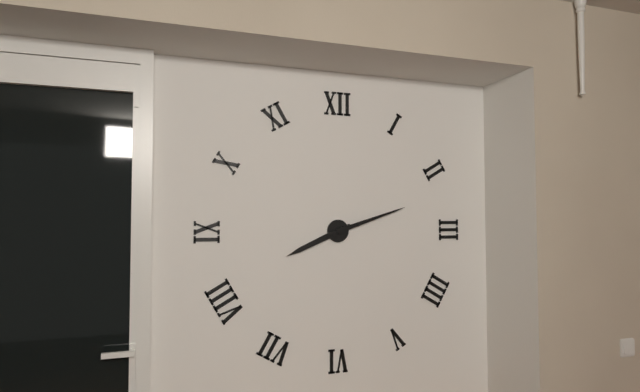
8h12
